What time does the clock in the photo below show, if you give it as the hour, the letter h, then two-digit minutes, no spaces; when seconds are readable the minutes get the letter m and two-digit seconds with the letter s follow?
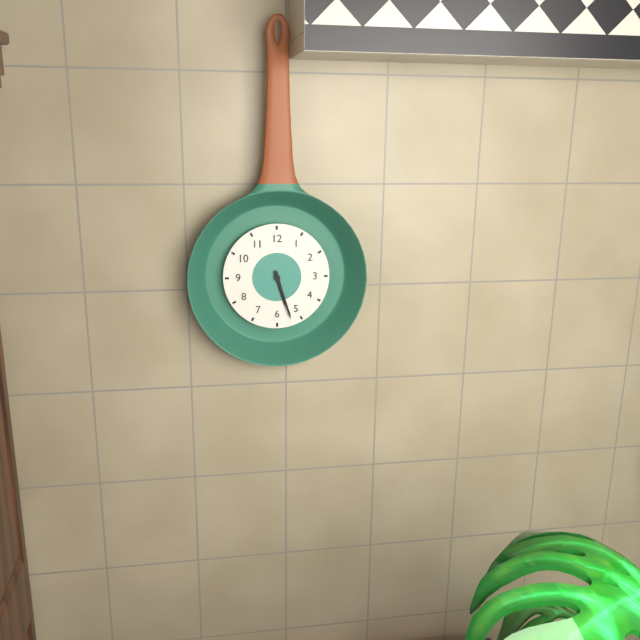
5h27
